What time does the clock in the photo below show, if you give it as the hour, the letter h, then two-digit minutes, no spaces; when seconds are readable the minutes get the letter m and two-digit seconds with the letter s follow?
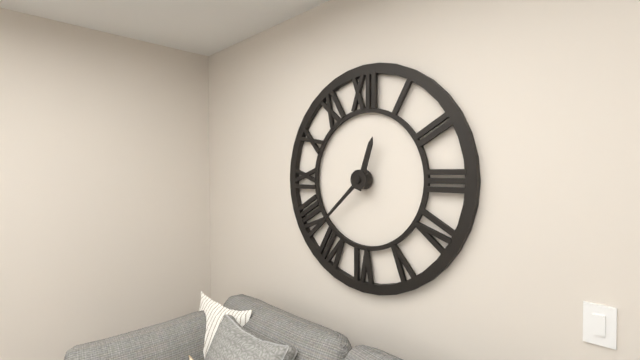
12h38
